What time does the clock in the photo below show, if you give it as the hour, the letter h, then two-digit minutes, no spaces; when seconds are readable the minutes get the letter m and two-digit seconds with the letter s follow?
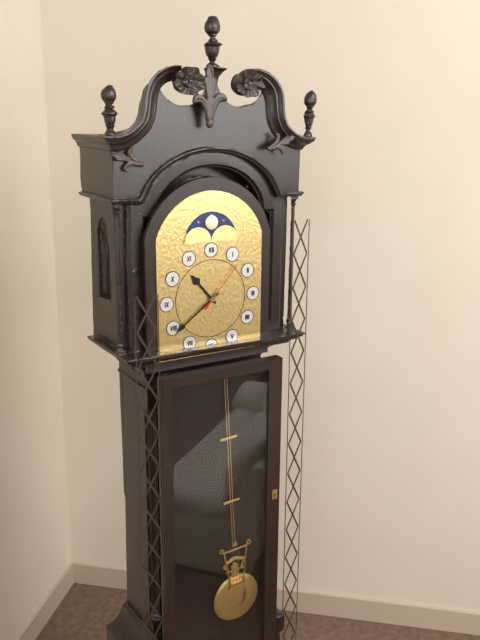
10h39m07s
